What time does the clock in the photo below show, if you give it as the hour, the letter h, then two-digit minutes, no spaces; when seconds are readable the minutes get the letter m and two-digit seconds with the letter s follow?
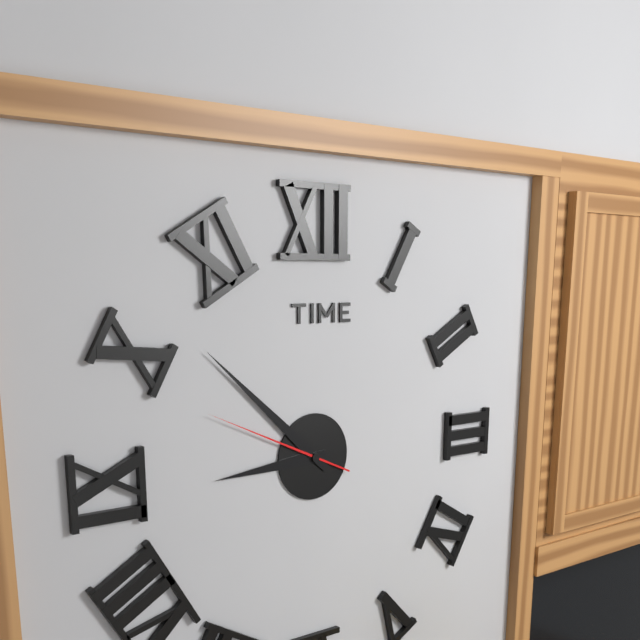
8h52m49s
